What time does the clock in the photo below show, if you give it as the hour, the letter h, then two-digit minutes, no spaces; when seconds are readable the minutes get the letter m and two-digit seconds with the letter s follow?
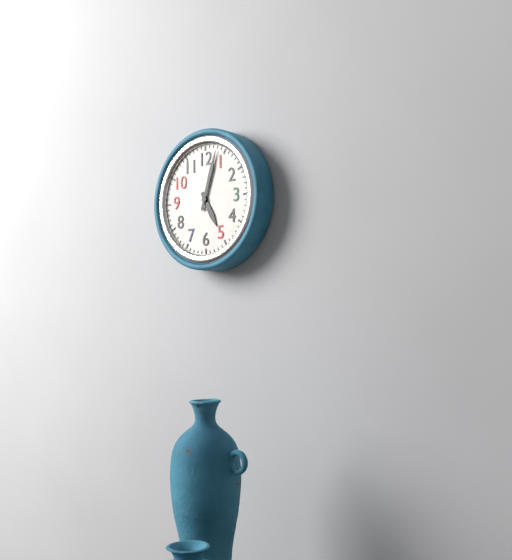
5h03
